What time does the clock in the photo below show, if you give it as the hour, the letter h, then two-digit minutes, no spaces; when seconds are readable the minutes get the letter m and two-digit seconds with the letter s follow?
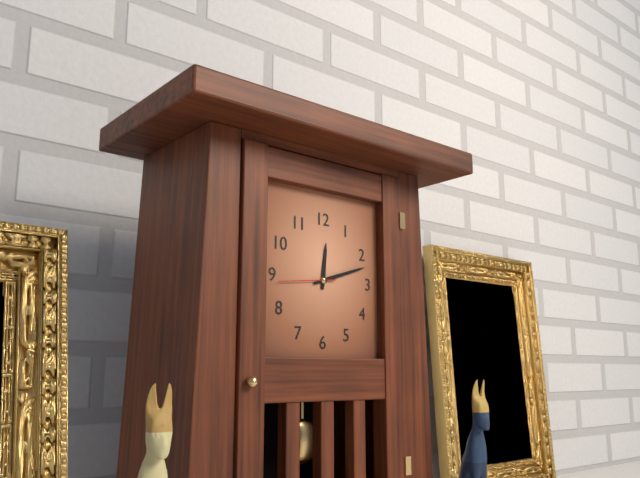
12h12m44s
